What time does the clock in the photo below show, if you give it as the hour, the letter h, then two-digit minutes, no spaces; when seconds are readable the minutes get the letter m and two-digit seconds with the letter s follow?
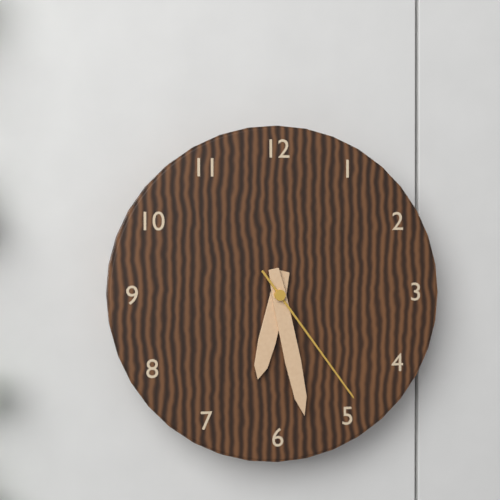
6h28m24s
